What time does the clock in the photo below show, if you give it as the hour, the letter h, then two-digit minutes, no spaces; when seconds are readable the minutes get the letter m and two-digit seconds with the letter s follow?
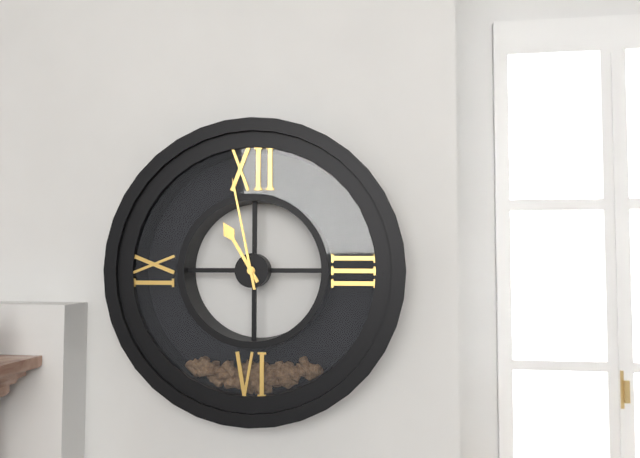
10h58
